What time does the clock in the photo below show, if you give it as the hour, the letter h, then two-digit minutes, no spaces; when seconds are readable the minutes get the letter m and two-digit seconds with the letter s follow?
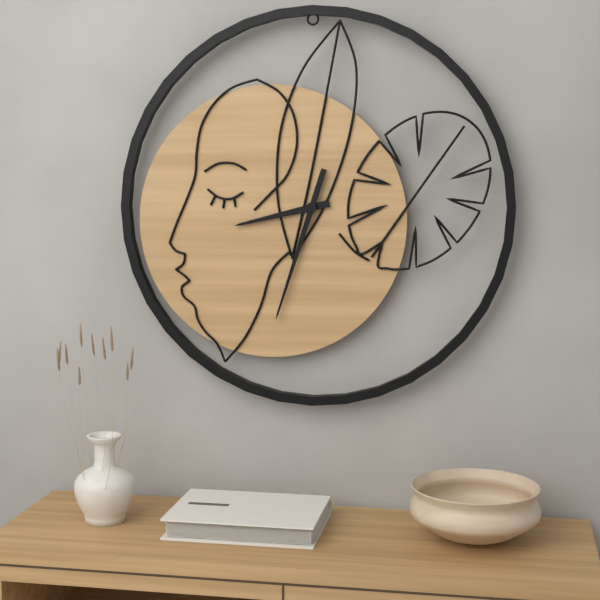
8h33
